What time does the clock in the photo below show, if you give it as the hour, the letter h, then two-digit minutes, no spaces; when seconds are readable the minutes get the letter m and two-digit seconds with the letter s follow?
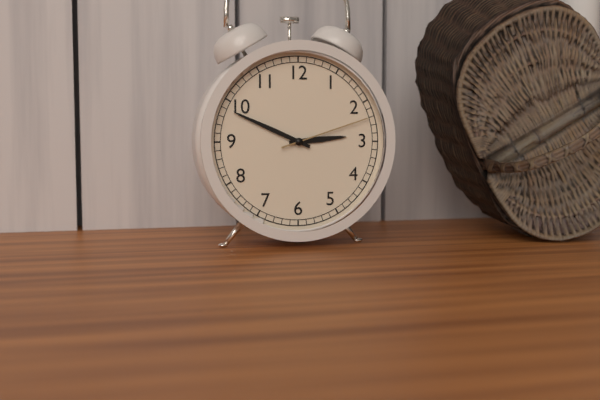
2h49m12s
